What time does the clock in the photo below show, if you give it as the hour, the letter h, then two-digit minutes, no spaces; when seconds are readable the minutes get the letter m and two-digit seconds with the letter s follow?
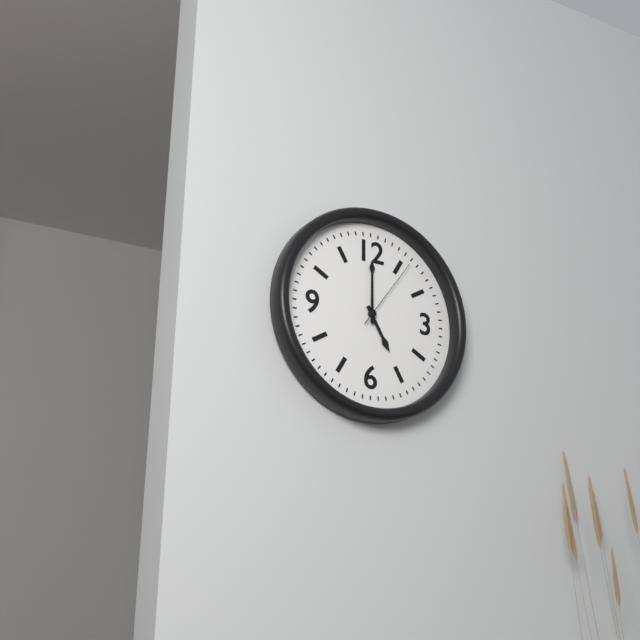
5h00m06s
